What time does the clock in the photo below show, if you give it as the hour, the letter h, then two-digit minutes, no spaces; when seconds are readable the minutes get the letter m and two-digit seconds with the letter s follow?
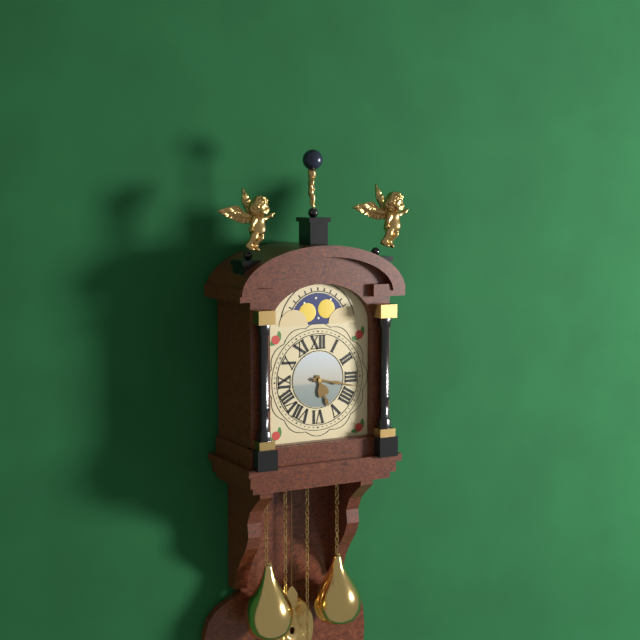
5h17
